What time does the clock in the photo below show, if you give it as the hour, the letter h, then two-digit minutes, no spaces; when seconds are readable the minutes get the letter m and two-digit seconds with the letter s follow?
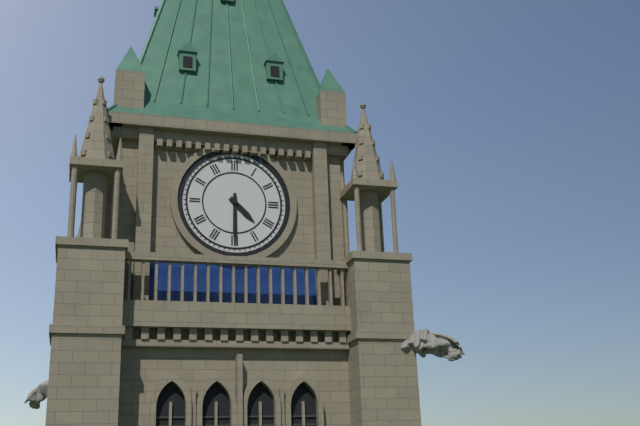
4h30
